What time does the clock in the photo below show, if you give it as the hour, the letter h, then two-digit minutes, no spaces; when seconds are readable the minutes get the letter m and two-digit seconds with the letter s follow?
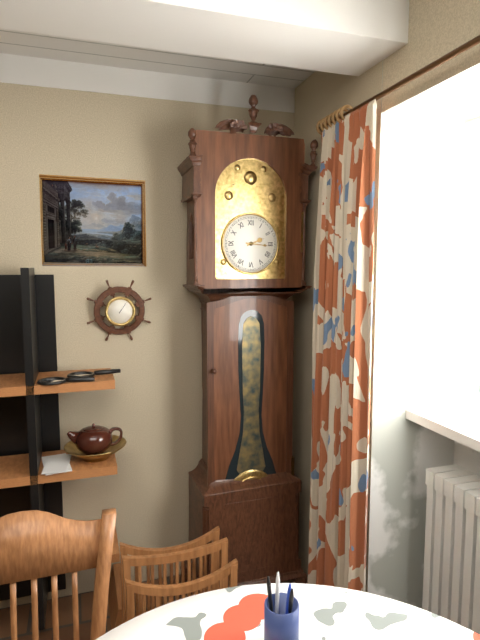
2h16
